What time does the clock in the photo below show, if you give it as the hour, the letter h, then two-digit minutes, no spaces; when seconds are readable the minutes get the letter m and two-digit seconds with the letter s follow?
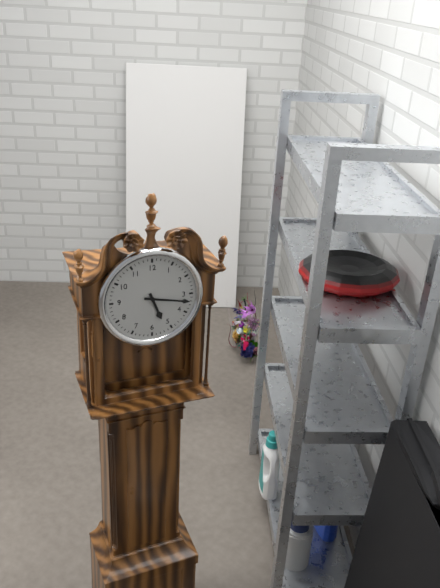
5h17
